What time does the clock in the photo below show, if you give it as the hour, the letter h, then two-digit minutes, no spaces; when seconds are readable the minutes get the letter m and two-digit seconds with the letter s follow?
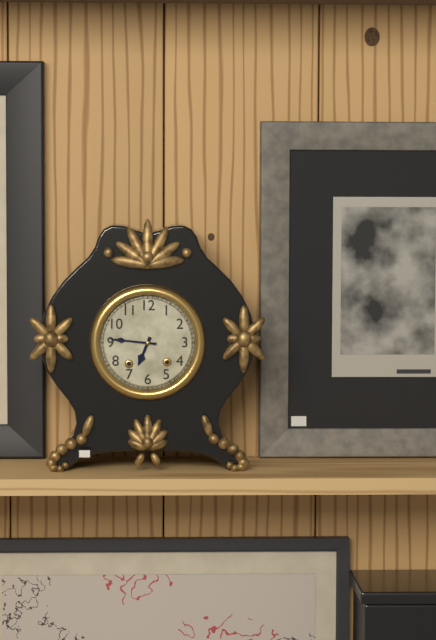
6h46
